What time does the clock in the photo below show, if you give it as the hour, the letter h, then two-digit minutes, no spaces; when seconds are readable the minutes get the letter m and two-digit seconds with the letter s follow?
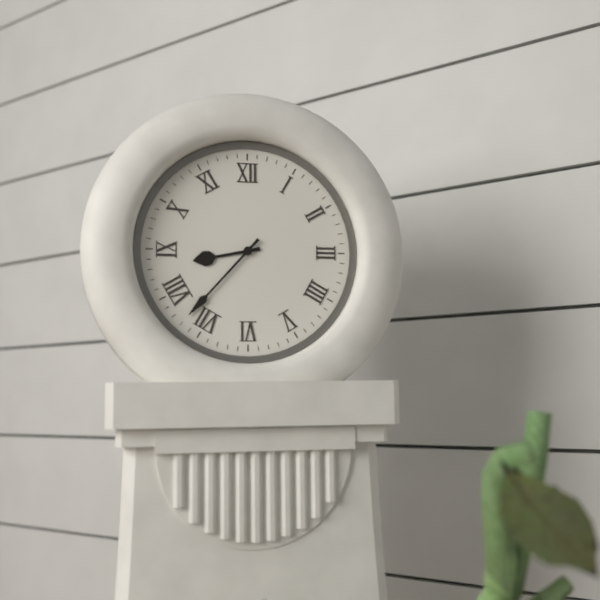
8h37
